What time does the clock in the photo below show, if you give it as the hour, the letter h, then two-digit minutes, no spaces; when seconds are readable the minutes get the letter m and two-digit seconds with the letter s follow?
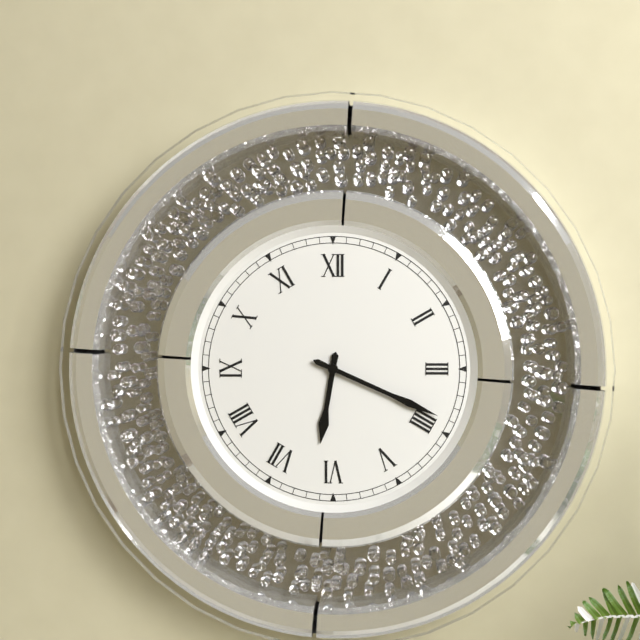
6h19
